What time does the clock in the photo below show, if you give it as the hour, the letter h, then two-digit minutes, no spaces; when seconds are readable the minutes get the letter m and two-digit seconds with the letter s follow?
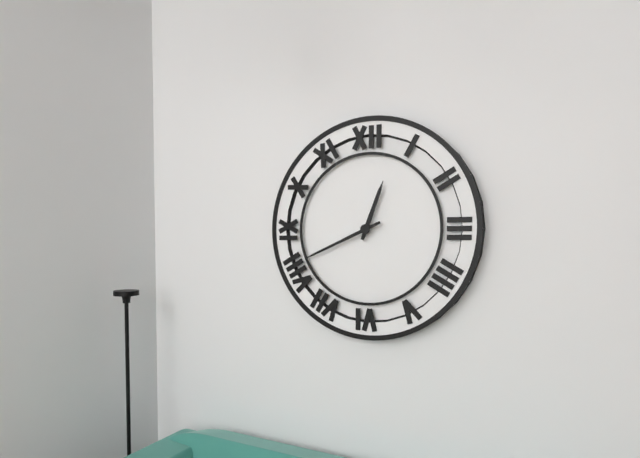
12h41
